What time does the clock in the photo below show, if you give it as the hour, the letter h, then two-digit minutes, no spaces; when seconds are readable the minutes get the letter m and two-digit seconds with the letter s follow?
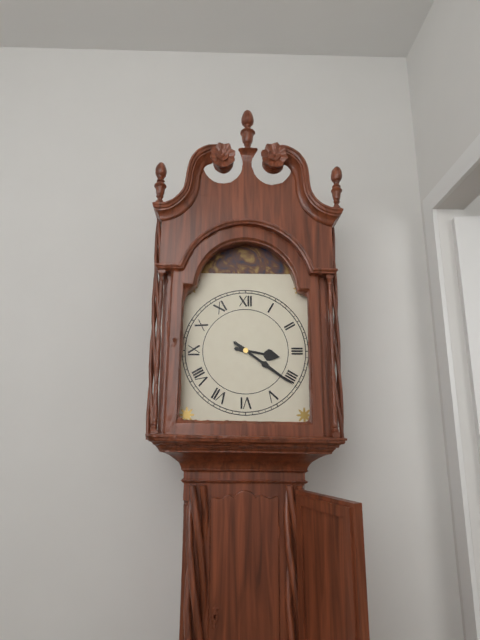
3h21
